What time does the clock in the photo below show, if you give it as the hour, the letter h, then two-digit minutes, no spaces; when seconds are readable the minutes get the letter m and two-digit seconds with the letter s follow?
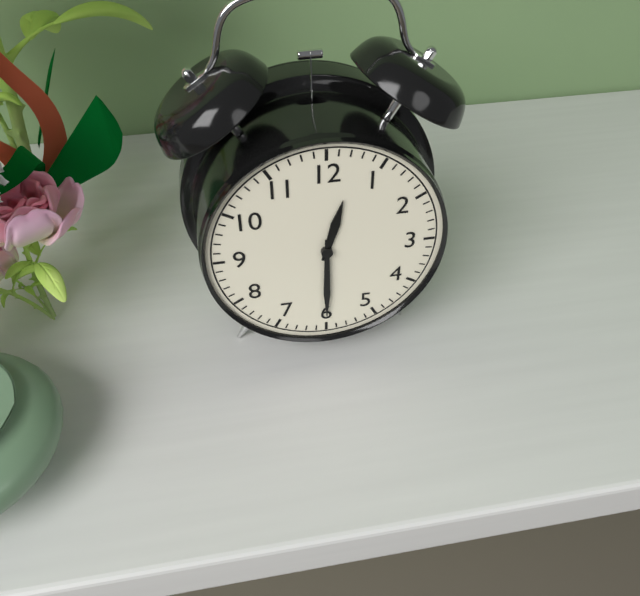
12h30
